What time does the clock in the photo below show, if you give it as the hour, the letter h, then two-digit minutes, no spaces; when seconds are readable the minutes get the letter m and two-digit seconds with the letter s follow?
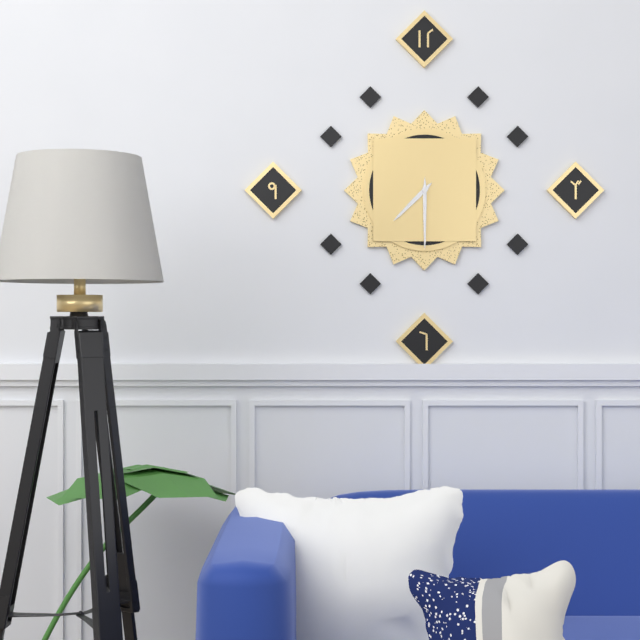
7h30
